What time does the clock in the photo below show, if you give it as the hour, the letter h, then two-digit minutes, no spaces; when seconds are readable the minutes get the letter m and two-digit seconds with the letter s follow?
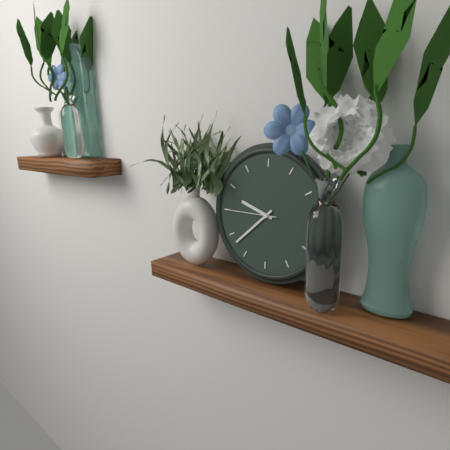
9h38m45s
